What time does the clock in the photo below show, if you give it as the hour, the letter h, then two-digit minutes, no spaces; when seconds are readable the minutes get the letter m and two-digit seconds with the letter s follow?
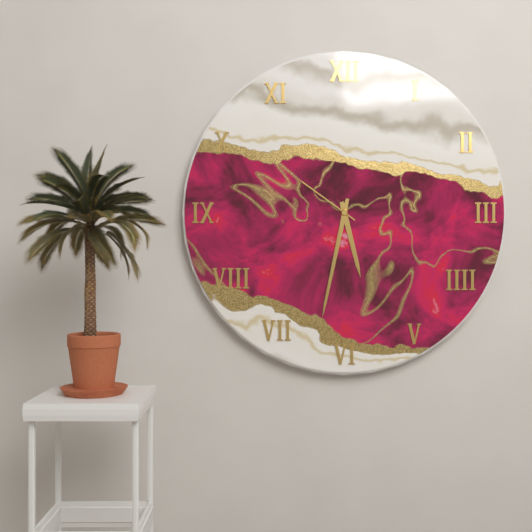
5h32m51s
